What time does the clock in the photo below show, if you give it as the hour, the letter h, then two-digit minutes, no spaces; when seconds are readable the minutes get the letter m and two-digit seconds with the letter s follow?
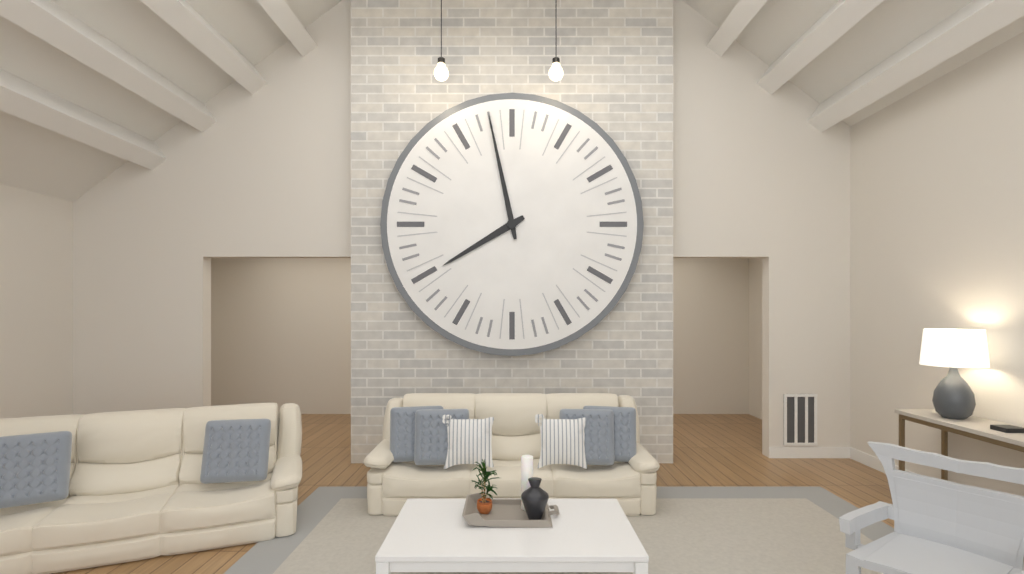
7h58
